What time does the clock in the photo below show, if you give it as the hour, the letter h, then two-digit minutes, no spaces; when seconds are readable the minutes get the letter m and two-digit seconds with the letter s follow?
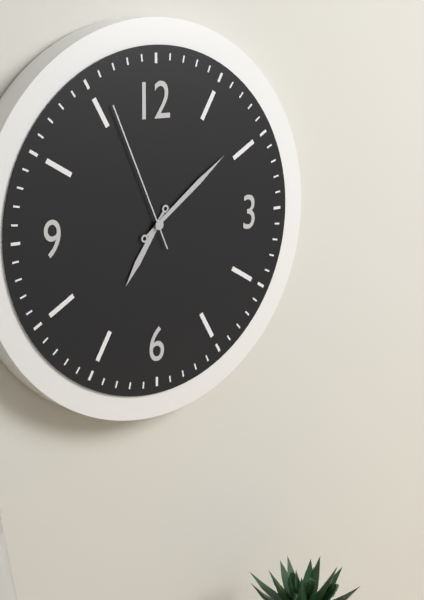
7h09m56s
